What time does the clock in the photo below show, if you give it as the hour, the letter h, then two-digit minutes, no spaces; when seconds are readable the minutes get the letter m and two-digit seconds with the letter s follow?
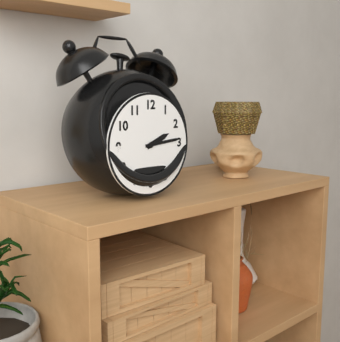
2h14
